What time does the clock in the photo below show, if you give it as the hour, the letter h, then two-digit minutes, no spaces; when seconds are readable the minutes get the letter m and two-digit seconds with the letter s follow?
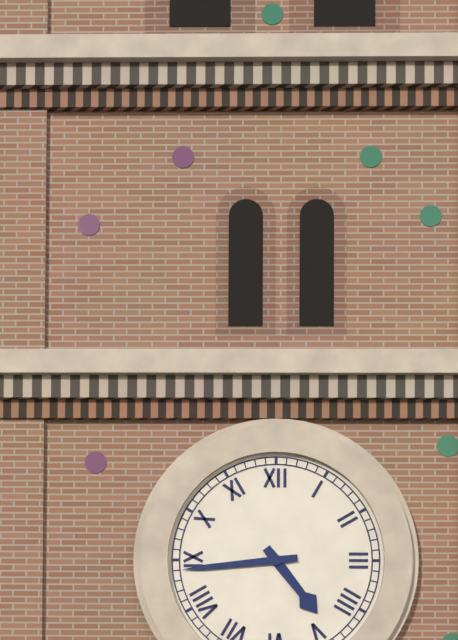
4h44
